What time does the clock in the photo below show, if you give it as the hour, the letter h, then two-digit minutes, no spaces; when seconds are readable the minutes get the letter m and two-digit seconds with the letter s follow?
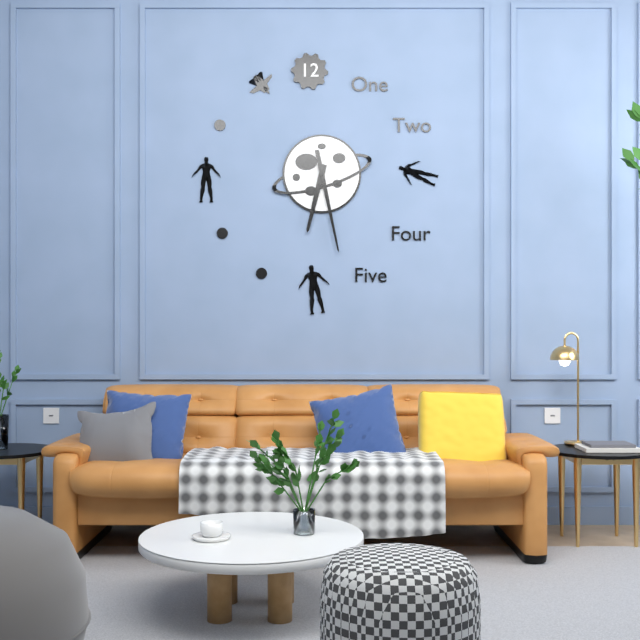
6h28
